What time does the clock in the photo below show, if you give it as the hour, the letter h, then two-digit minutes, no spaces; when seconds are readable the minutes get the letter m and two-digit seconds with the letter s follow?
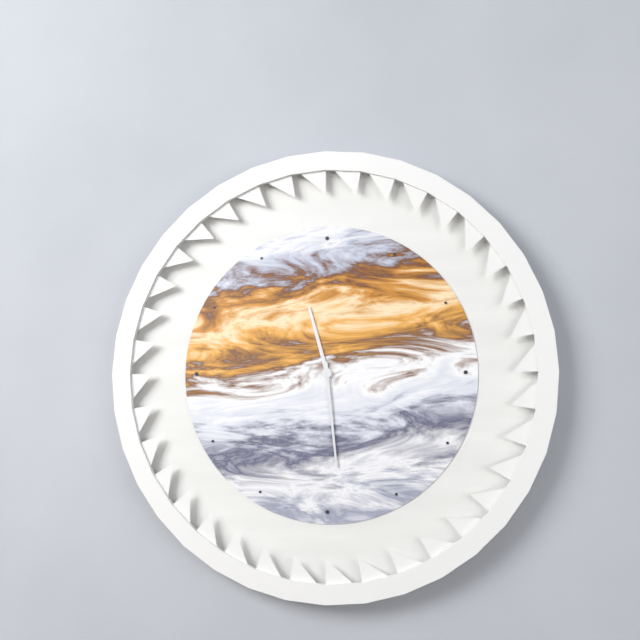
11h29
